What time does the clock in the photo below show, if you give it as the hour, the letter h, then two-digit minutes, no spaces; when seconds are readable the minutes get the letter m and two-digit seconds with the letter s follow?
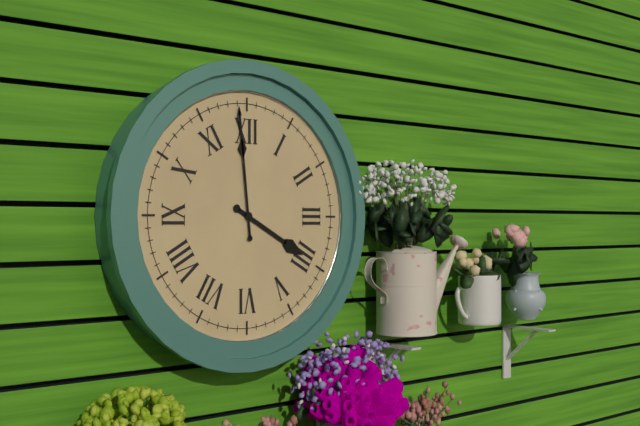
3h59
